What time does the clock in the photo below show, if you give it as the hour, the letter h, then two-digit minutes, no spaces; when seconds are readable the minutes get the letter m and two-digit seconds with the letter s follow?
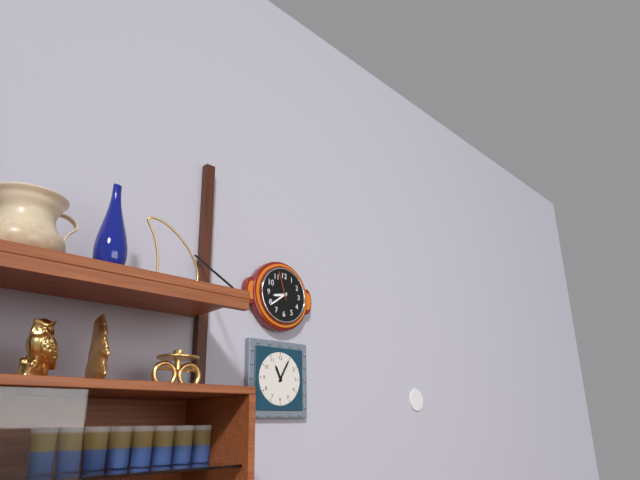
8h39
